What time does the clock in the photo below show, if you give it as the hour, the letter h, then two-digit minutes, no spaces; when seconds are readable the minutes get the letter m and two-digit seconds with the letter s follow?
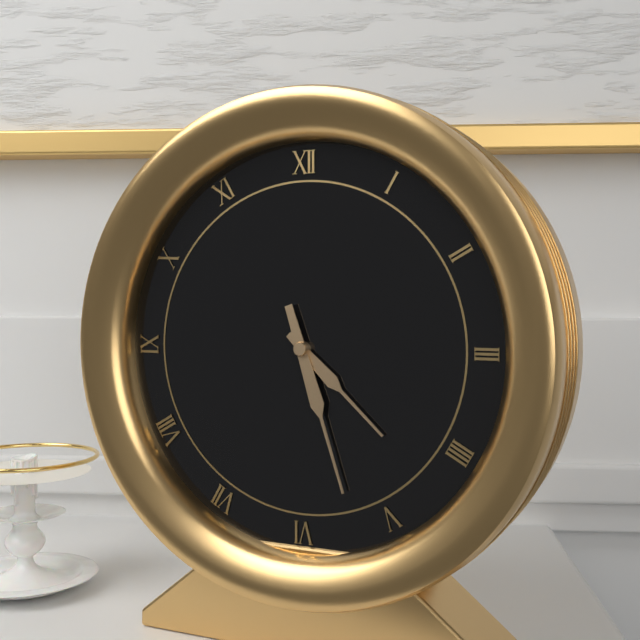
4h27
